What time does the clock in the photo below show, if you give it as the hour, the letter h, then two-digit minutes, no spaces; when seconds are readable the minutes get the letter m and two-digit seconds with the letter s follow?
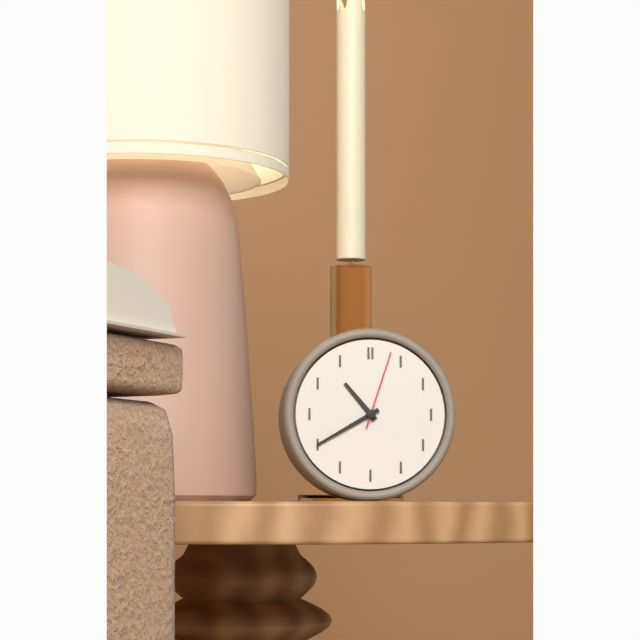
10h40m03s
